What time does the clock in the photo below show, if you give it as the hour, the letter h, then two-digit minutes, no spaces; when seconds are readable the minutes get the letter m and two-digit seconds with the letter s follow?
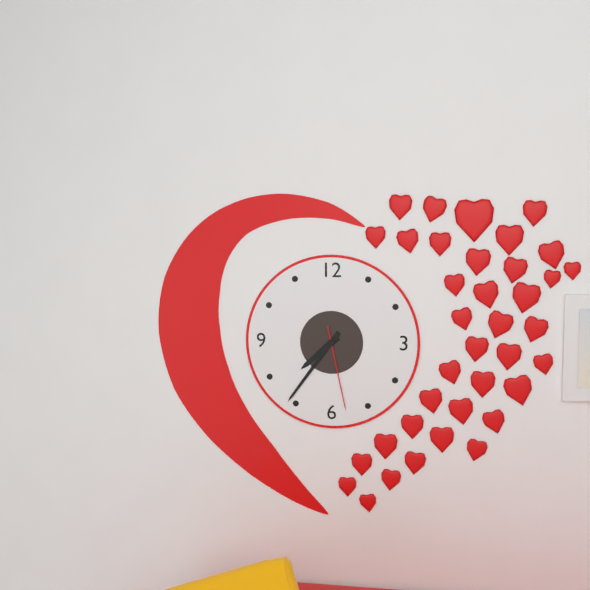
7h36m28s
